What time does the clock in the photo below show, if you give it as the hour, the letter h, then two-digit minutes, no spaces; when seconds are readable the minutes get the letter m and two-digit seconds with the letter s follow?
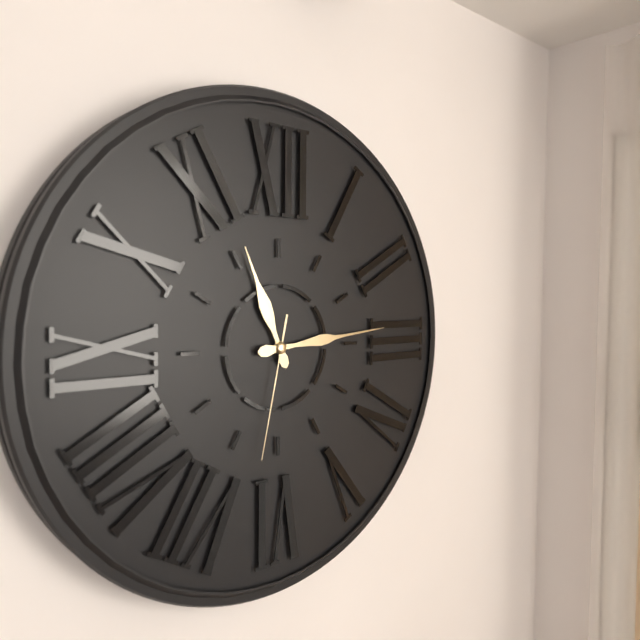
11h14m32s
